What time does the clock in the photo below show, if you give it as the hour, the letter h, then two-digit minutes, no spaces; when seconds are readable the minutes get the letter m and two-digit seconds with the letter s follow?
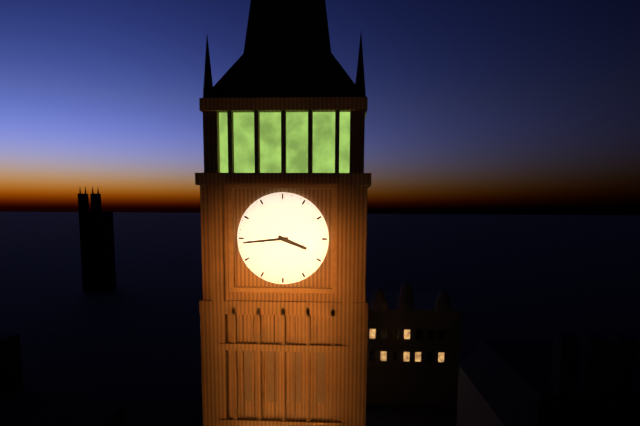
3h44
